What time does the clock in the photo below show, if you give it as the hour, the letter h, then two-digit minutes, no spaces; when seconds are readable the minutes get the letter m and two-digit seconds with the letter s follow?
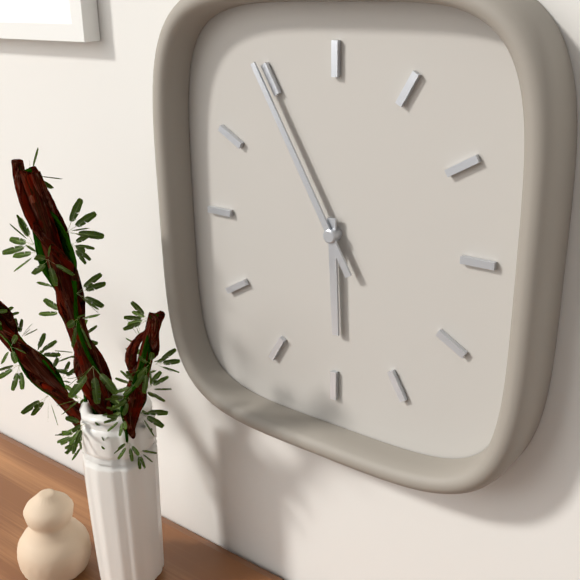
5h55
